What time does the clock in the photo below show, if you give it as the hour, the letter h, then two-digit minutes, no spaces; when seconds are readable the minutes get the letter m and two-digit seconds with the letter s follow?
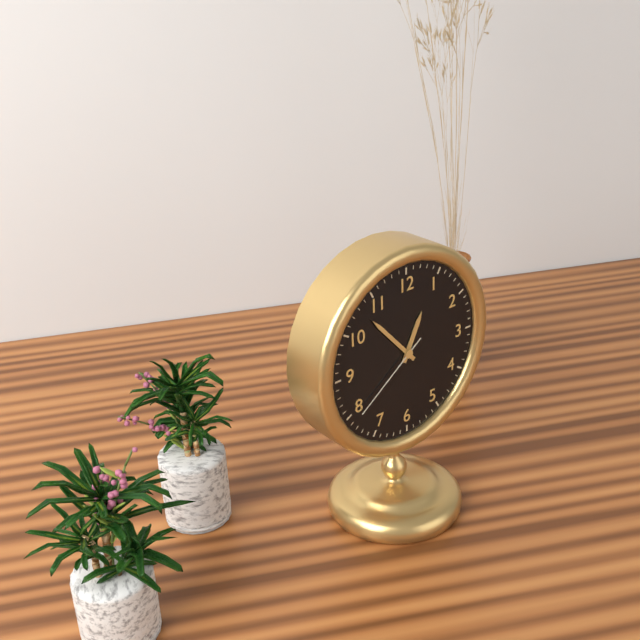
12h53m39s
